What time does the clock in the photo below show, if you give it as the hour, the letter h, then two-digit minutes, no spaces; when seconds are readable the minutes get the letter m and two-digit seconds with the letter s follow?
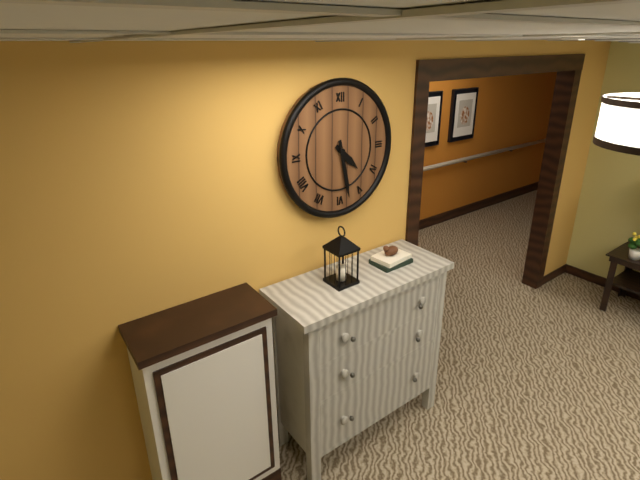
4h28
